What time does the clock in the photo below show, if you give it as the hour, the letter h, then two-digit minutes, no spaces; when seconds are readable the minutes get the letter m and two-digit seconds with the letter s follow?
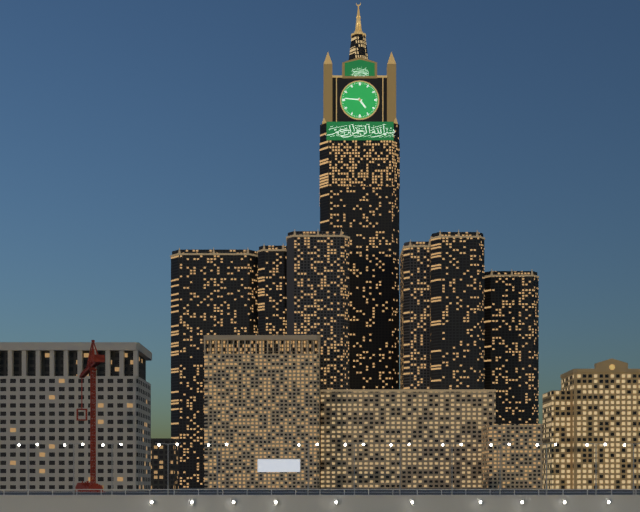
4h46
